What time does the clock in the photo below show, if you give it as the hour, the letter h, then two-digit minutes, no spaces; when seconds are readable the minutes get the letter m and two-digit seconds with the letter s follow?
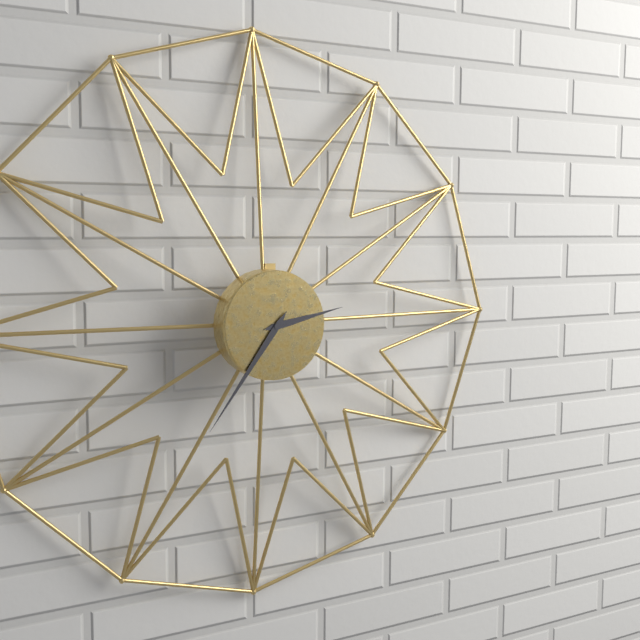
2h36
